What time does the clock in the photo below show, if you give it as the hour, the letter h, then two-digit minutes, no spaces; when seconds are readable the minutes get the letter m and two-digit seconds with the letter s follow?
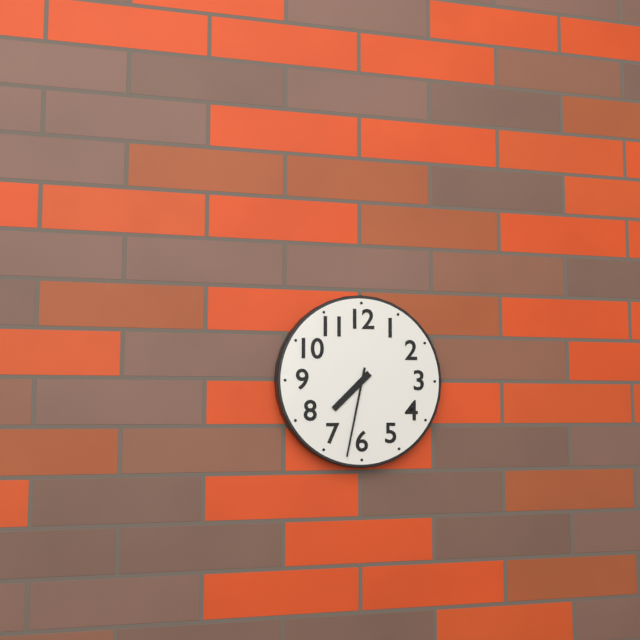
7h32
